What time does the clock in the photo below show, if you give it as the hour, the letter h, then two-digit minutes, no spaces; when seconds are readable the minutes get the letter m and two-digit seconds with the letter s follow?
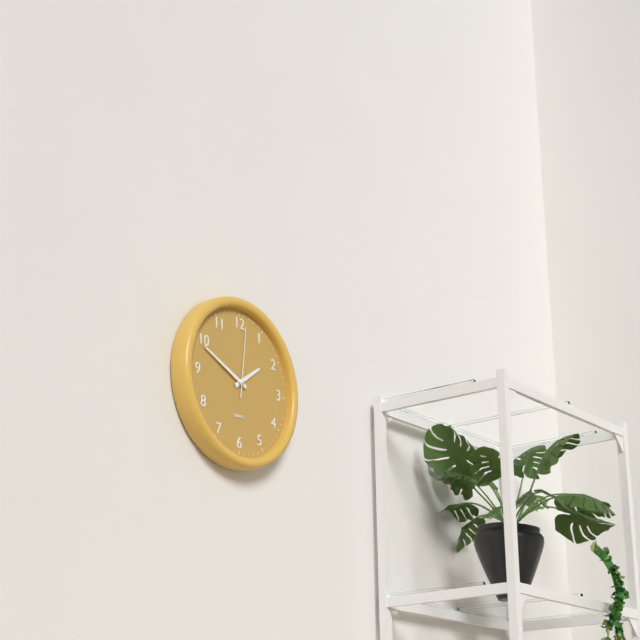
1h49m01s
